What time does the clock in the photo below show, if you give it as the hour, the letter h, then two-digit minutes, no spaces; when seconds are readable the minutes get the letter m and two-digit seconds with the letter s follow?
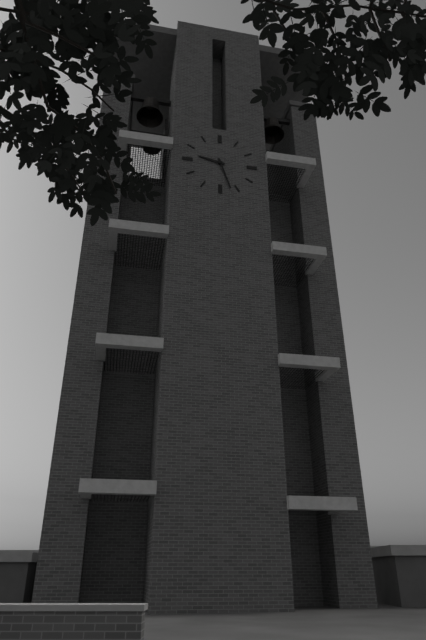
9h27
